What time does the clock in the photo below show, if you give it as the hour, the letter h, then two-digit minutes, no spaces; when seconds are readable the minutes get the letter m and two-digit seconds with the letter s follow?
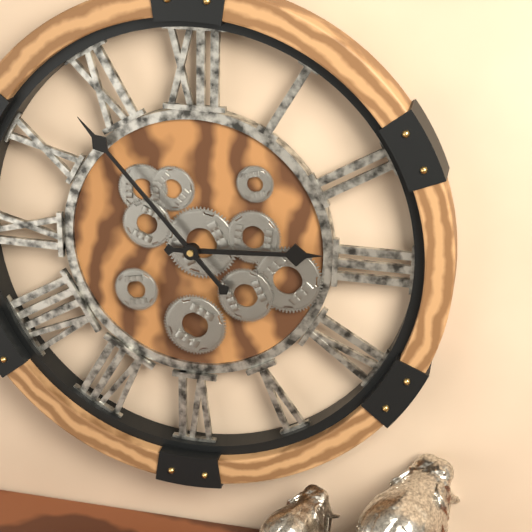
2h53
